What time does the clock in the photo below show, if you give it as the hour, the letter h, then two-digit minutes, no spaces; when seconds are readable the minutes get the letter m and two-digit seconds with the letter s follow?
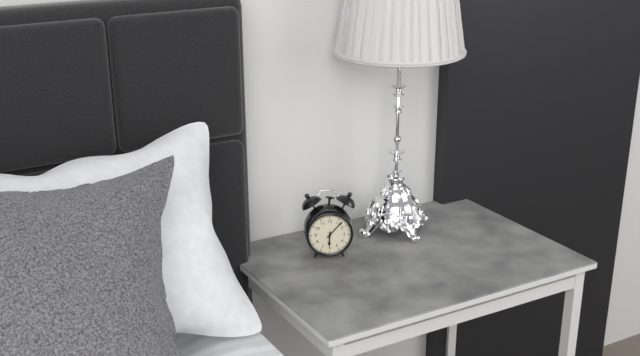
6h07
